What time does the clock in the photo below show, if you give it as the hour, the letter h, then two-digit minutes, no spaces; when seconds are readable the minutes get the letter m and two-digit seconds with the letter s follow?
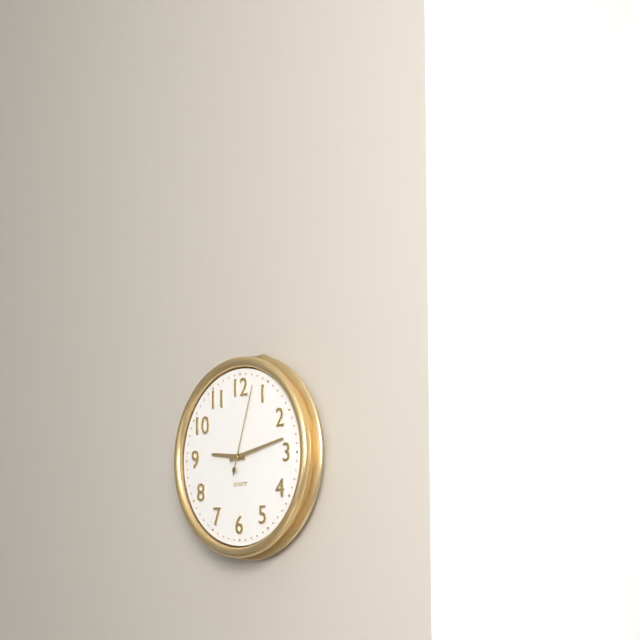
9h13m03s
